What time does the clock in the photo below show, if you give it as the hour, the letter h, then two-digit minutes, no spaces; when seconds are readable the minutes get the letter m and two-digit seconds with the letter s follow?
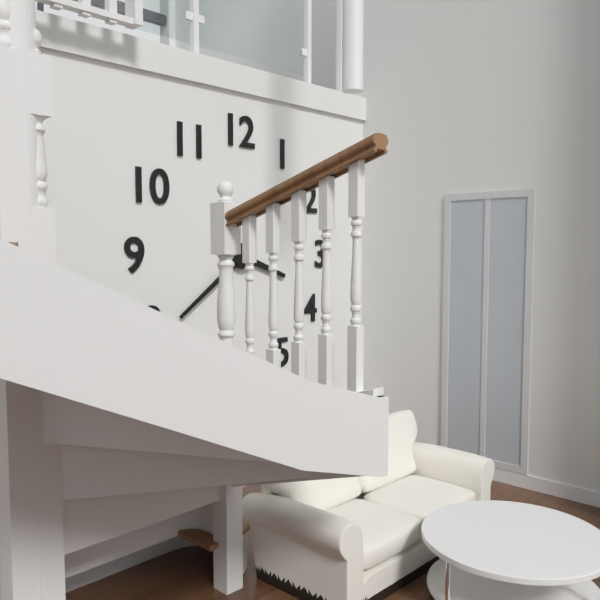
3h39
